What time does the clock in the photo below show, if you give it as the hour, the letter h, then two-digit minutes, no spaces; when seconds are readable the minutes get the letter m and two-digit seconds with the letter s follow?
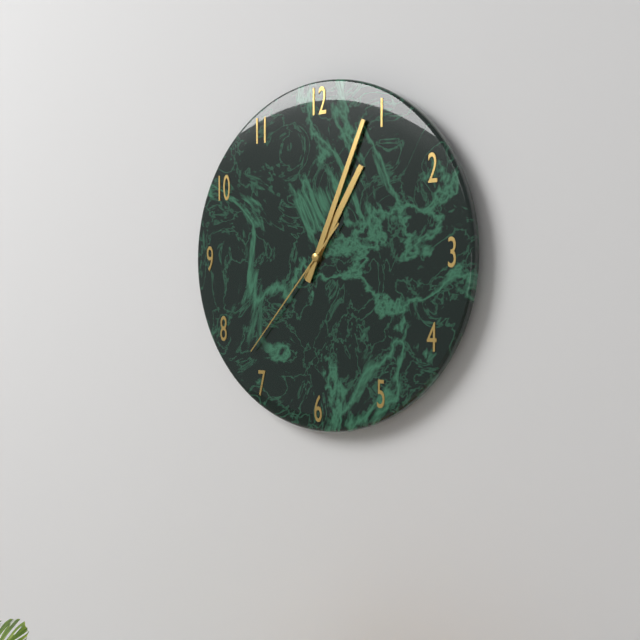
1h04m37s
